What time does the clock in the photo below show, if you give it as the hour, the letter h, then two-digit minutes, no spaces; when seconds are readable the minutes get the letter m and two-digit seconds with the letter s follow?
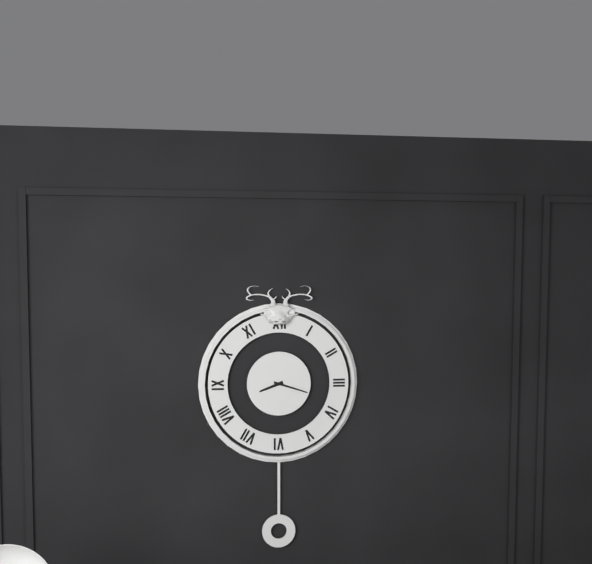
8h18
